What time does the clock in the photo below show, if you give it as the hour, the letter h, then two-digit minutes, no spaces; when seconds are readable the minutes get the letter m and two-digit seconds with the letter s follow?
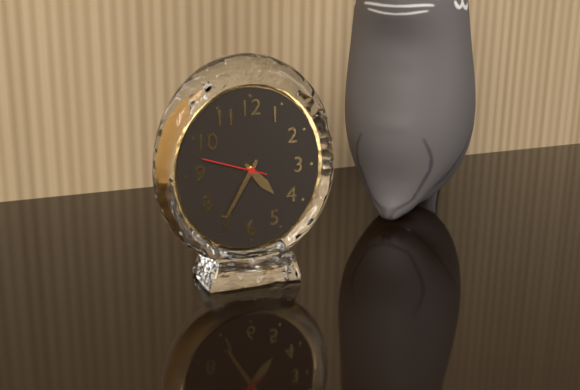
4h35m48s
